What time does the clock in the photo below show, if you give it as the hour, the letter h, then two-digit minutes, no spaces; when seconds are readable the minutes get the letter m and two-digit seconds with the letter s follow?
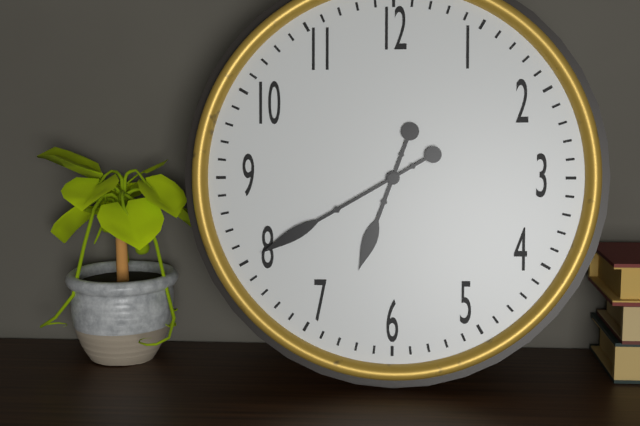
6h40
